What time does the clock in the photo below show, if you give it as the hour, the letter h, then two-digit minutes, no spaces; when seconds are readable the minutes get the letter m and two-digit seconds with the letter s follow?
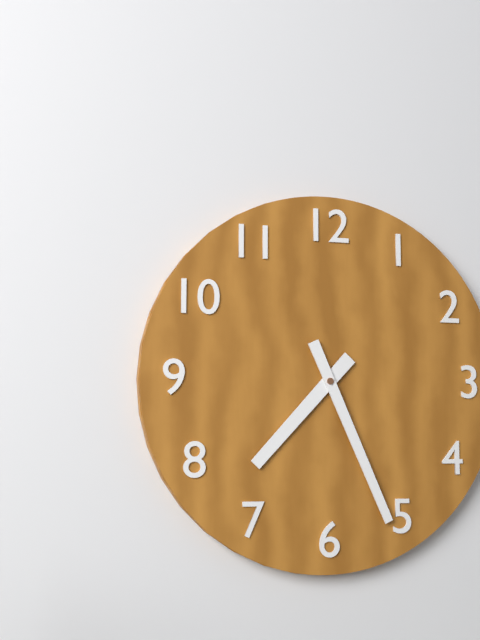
7h26
